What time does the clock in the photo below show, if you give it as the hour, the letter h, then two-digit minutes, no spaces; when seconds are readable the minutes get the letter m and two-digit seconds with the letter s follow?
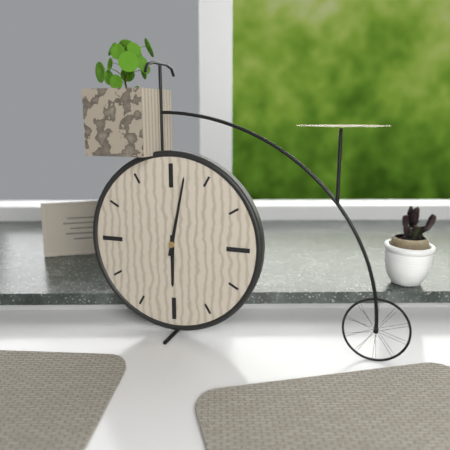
6h02
